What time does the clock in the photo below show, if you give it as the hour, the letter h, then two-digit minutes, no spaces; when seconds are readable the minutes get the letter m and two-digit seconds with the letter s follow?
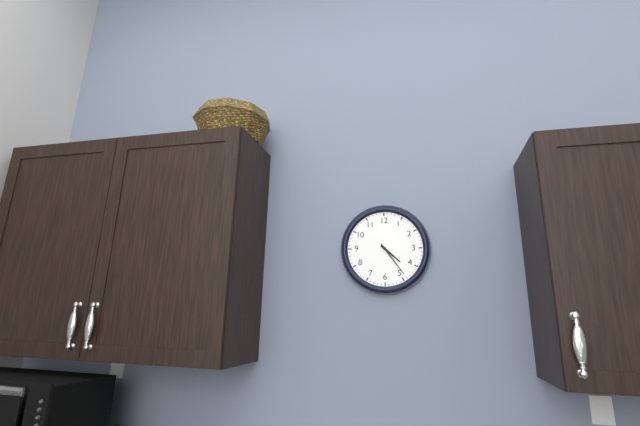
4h24
